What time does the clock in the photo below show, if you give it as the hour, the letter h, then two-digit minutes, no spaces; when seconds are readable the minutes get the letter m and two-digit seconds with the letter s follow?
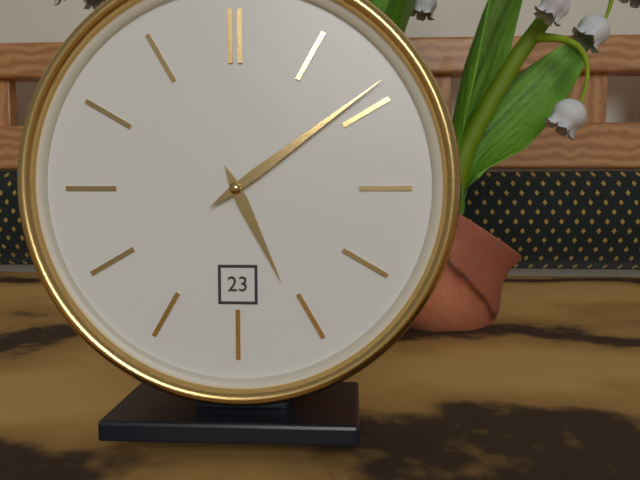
5h09
